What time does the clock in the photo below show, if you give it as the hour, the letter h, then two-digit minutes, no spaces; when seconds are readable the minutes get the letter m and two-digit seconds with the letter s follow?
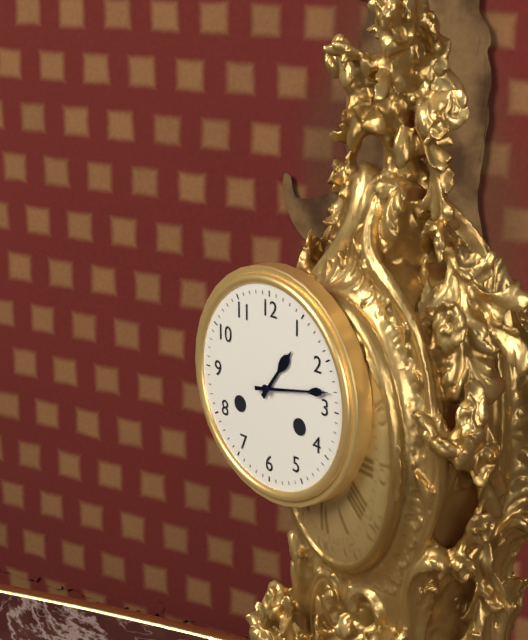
1h13
